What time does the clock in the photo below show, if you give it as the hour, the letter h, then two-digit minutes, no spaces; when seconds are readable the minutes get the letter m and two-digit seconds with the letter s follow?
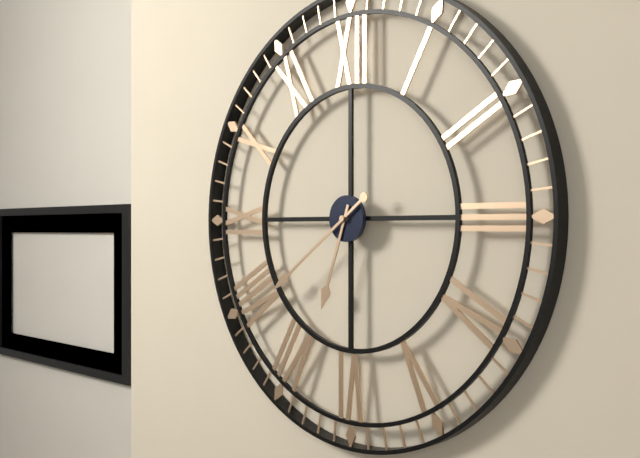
6h39
